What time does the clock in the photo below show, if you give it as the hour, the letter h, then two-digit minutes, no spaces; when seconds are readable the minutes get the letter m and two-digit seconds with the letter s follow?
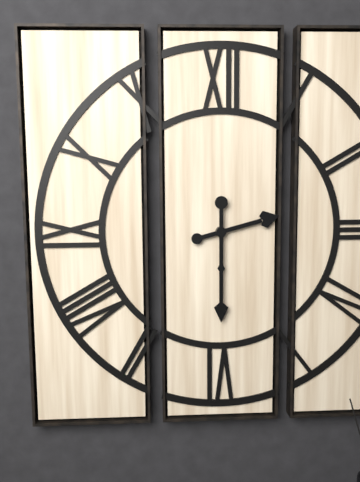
2h30
